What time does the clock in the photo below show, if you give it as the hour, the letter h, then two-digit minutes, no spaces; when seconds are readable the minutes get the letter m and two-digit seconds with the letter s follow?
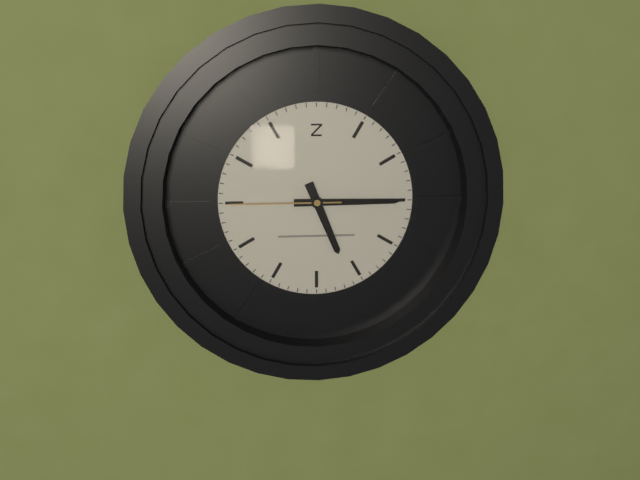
5h15m45s
